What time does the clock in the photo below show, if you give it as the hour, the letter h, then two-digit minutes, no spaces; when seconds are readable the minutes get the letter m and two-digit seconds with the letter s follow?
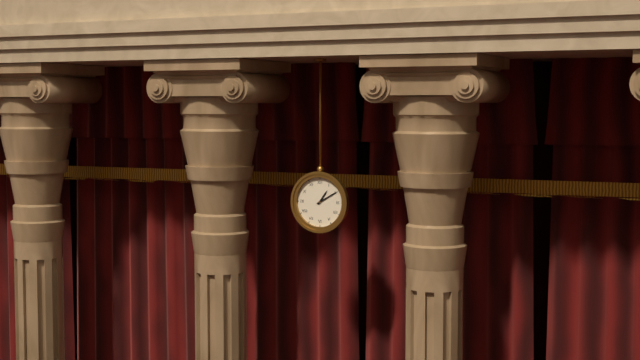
1h10
